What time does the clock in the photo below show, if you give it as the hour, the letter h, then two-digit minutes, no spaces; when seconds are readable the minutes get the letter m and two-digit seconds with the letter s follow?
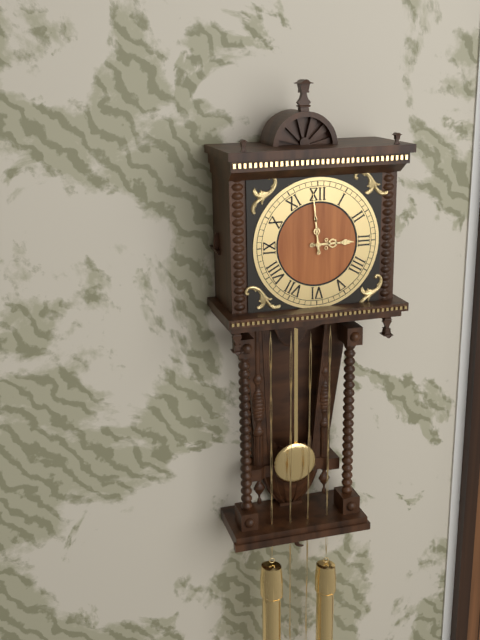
2h59
